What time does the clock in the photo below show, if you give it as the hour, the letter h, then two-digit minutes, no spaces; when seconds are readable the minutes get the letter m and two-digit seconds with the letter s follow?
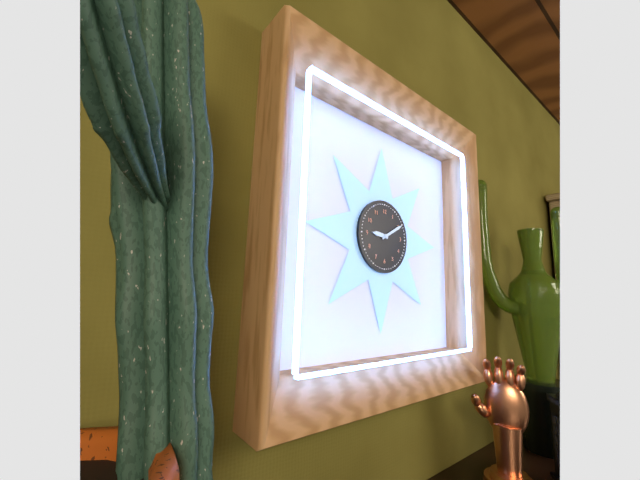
9h10
